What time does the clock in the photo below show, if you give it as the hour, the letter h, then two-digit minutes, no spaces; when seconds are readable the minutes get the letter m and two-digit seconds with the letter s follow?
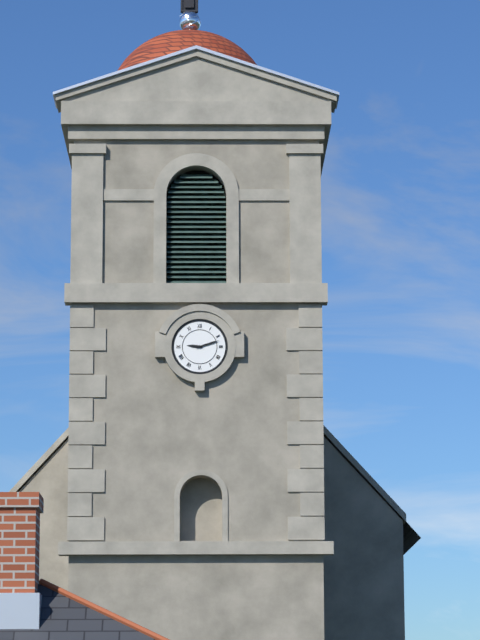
9h12
